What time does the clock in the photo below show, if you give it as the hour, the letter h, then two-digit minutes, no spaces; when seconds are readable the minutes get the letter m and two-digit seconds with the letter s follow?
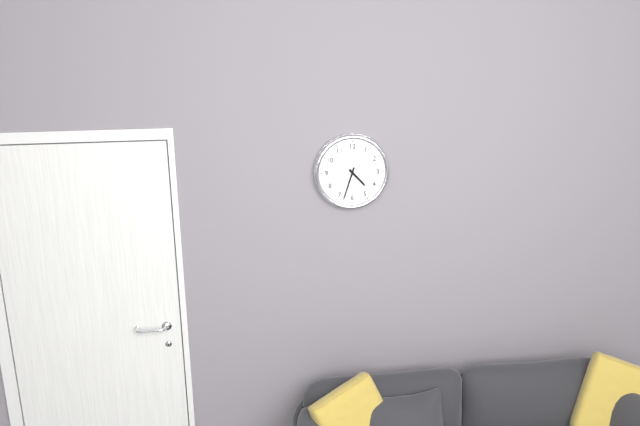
4h33
